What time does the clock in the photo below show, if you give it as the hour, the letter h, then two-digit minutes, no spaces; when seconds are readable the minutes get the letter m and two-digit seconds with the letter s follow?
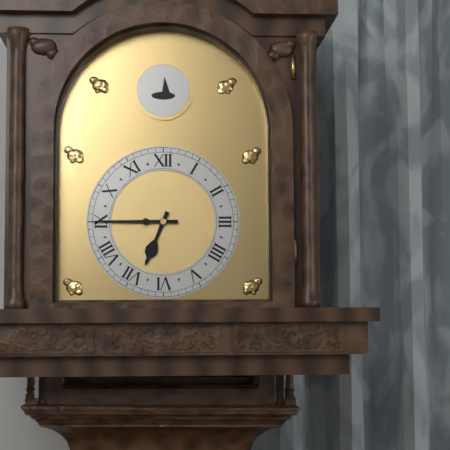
6h45
